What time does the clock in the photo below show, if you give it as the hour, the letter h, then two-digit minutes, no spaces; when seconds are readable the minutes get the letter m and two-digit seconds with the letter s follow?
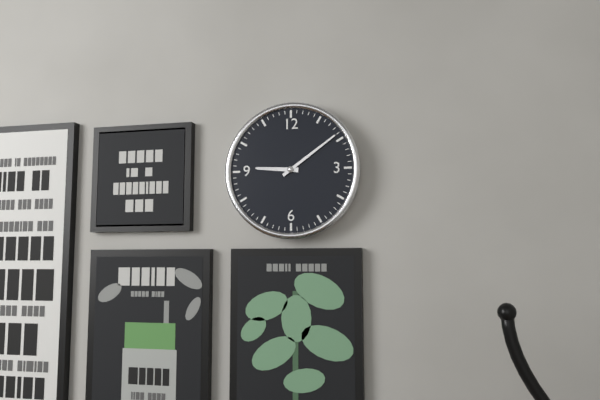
9h09
